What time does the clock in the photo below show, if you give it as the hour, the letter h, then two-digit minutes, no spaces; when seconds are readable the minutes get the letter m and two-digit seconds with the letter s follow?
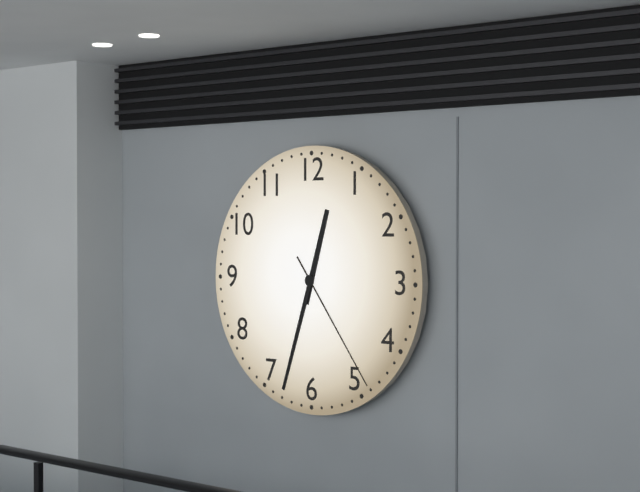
12h33m24s
